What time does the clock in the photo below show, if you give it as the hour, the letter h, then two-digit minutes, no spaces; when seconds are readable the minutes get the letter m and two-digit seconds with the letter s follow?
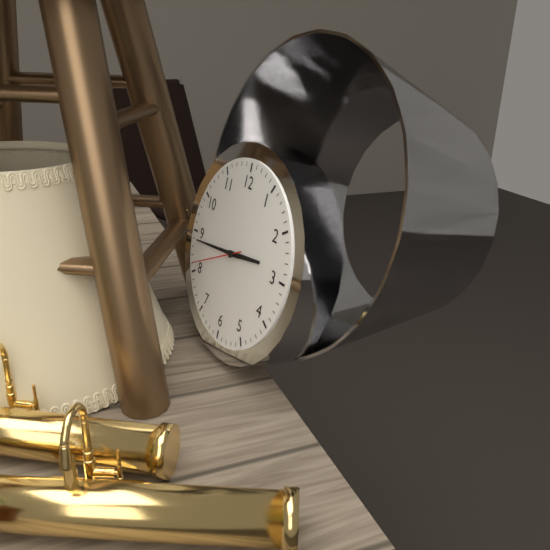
2h44m41s
